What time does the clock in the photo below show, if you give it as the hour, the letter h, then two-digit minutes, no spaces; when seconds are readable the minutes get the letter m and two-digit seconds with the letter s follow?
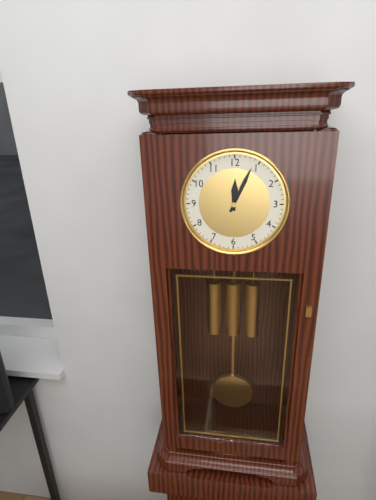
12h04
